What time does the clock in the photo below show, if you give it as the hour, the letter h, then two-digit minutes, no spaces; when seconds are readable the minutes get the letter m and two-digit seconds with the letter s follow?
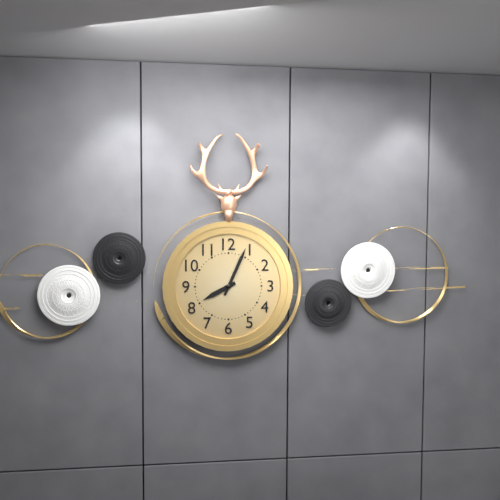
8h04
